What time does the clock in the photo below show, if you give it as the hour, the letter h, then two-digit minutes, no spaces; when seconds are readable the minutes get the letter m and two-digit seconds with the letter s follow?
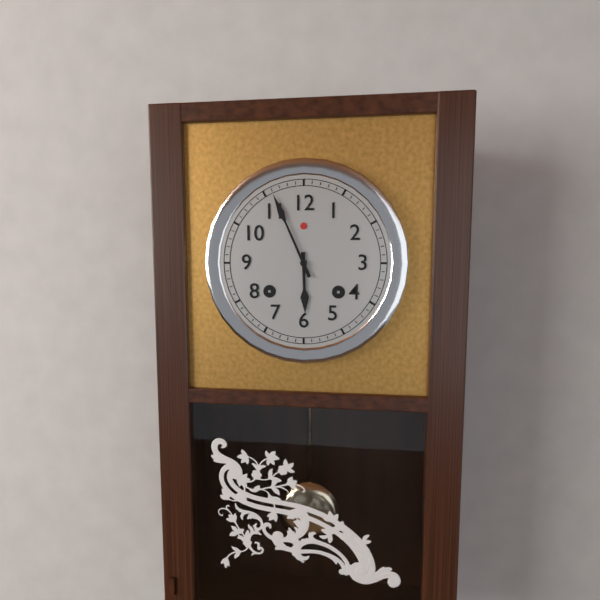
5h56
